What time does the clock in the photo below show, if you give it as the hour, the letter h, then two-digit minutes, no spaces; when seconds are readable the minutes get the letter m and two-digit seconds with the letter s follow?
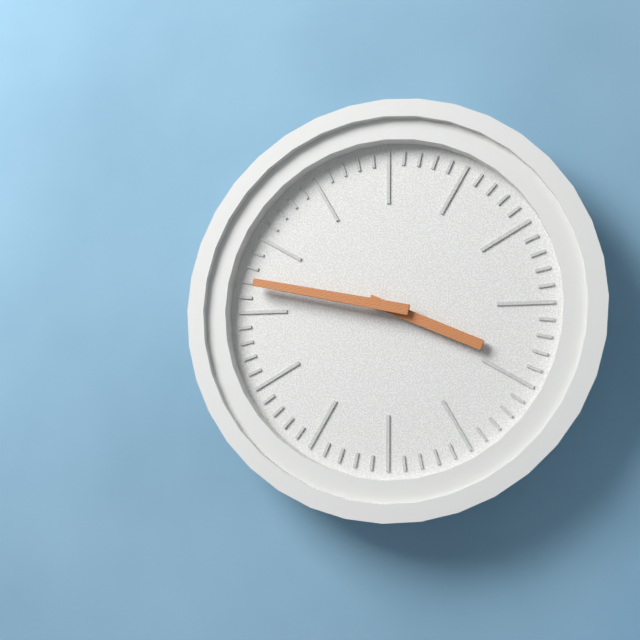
3h47
